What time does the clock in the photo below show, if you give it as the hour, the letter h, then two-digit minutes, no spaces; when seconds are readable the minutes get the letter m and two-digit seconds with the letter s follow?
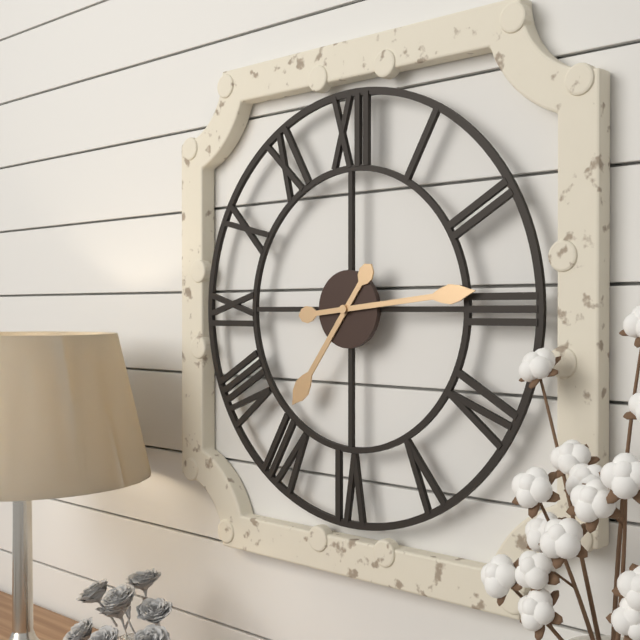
7h14
